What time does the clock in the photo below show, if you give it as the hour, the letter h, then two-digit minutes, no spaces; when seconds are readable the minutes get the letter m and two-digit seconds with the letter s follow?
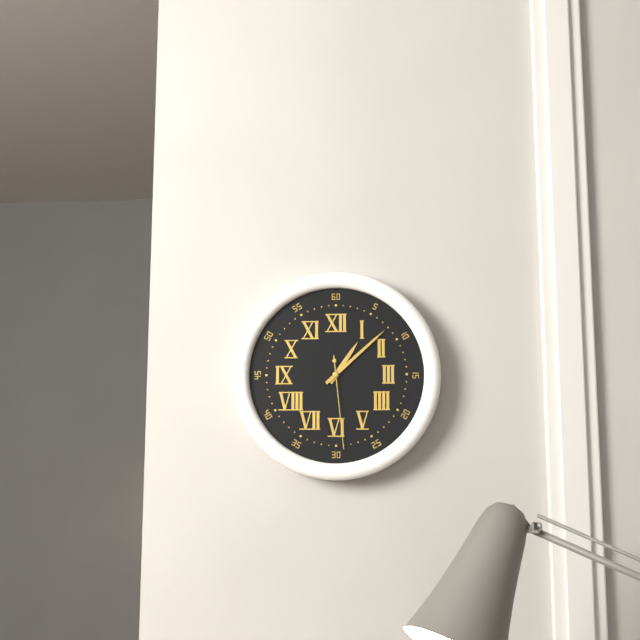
1h08m29s
